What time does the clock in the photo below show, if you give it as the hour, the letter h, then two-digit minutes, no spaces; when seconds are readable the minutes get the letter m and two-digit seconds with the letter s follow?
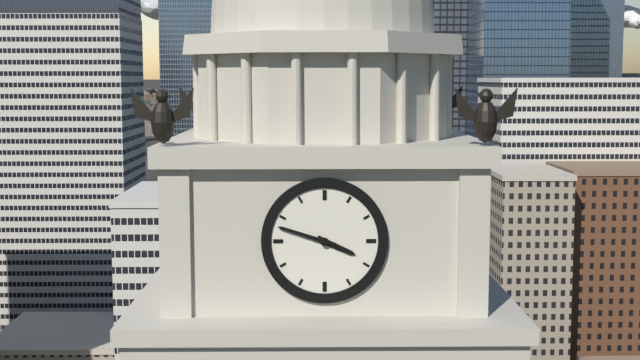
3h48
